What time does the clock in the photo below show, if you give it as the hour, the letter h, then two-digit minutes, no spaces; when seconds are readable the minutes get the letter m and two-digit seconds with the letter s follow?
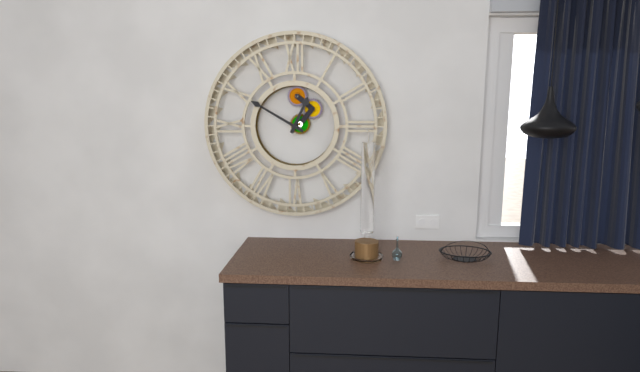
12h50
